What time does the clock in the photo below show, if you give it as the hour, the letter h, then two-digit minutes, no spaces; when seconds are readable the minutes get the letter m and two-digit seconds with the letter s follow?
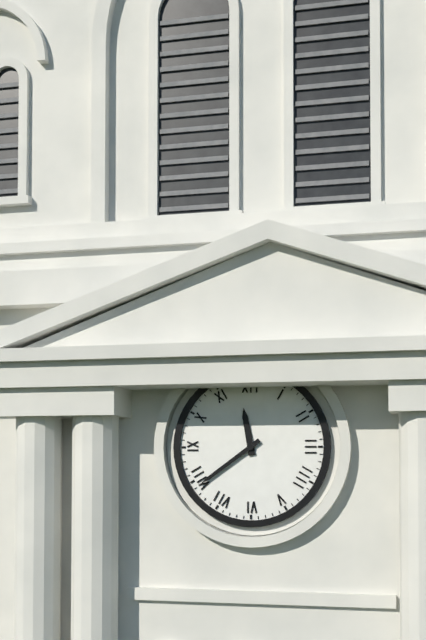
11h39
